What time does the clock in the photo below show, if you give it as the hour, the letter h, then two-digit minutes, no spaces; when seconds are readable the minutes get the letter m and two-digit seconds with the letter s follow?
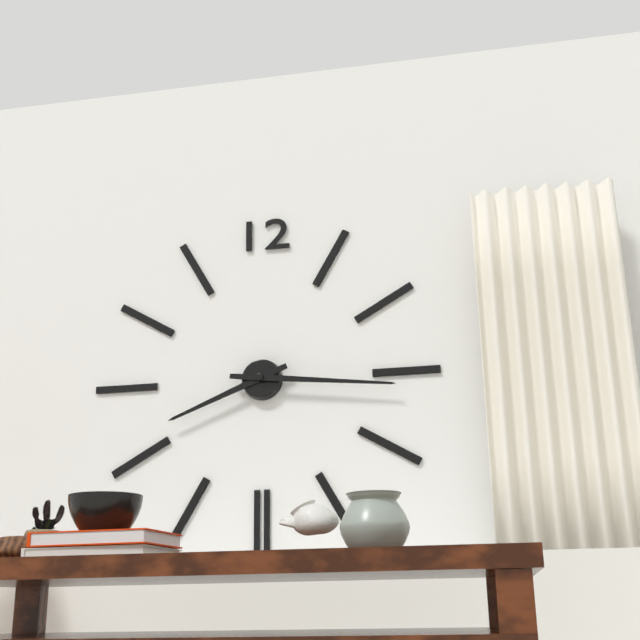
8h16
